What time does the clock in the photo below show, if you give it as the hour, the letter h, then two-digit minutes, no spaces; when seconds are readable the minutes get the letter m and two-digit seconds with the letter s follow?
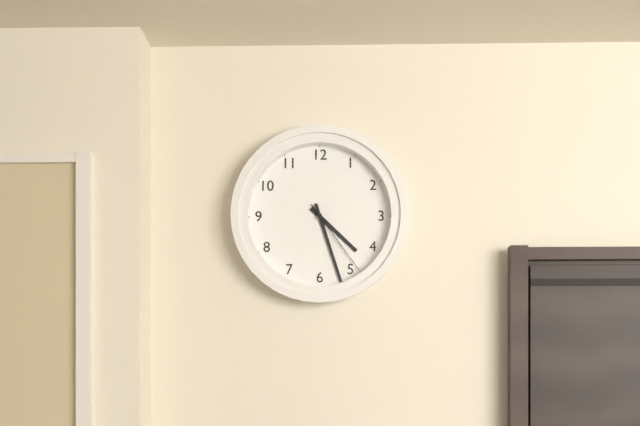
4h27m24s
